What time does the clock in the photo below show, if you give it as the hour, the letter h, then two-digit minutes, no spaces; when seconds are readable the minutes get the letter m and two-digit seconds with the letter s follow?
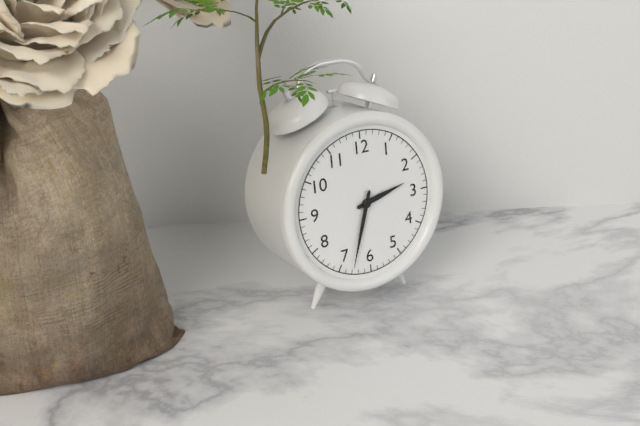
2h33
